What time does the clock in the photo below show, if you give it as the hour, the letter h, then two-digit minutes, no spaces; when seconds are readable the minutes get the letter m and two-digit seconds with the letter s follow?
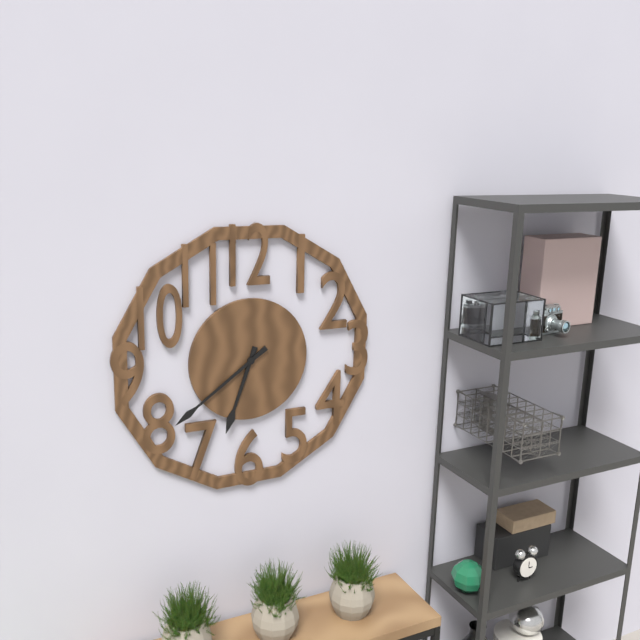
6h39
